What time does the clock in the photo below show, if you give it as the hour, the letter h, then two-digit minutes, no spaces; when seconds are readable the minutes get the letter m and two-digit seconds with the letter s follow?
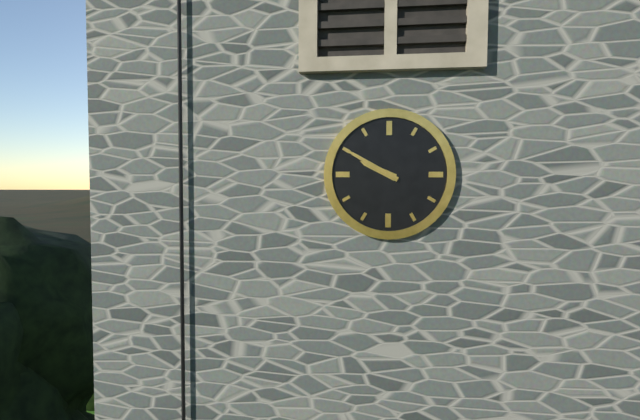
9h50
